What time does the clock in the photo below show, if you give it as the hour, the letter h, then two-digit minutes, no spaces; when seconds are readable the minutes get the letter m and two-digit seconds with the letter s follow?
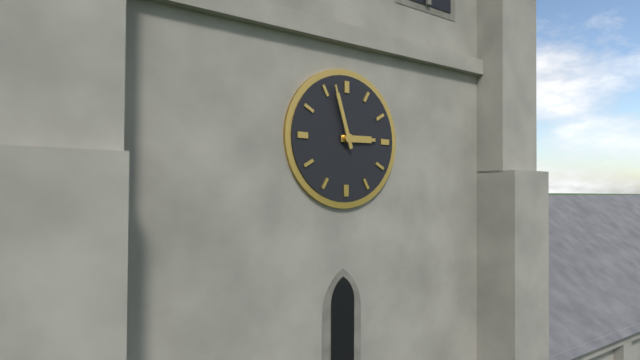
2h57
